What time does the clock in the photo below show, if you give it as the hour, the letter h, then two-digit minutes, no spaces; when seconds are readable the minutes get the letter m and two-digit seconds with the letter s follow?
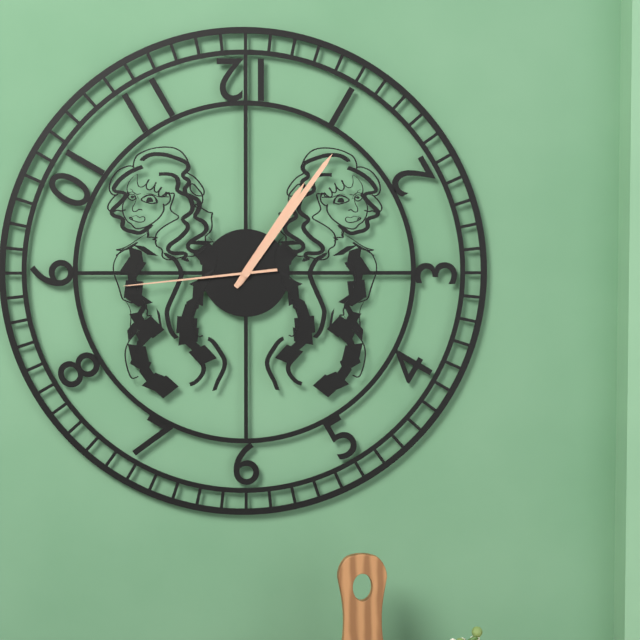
1h06m44s
